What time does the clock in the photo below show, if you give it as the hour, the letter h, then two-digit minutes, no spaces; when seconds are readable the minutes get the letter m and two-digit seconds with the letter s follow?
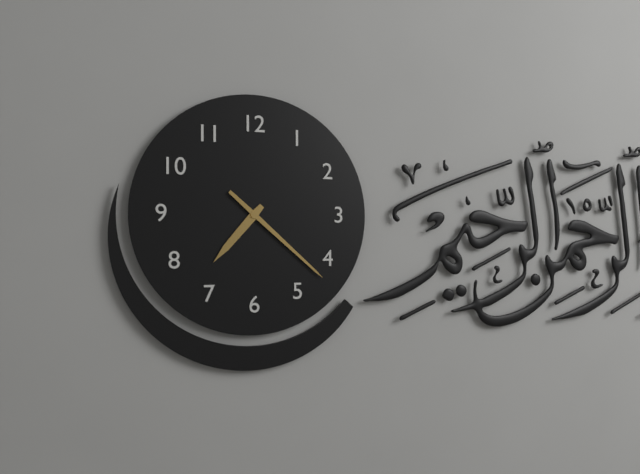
7h22
